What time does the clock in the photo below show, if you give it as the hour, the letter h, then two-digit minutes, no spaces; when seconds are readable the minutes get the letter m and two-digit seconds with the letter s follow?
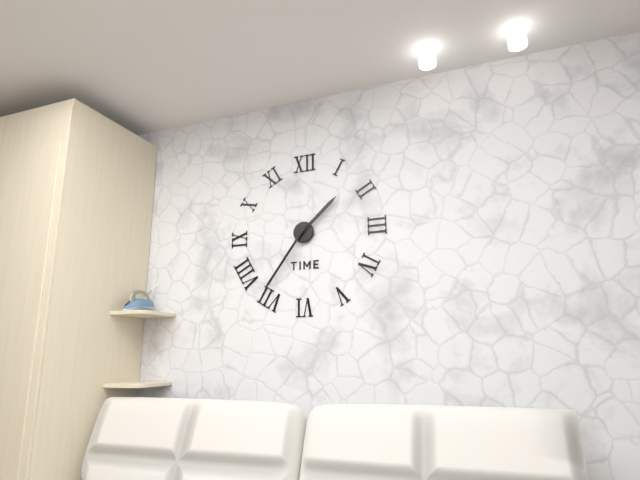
1h36
